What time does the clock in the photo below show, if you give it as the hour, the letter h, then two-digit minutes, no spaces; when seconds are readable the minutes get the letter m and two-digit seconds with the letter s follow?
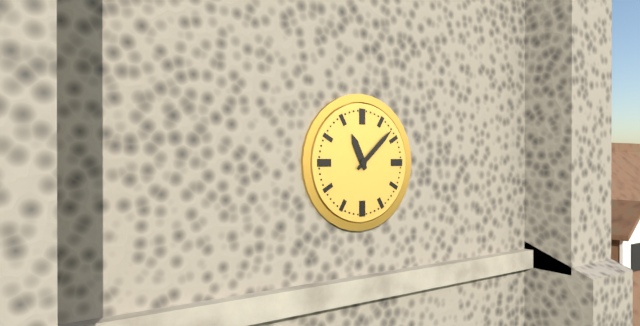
11h08
